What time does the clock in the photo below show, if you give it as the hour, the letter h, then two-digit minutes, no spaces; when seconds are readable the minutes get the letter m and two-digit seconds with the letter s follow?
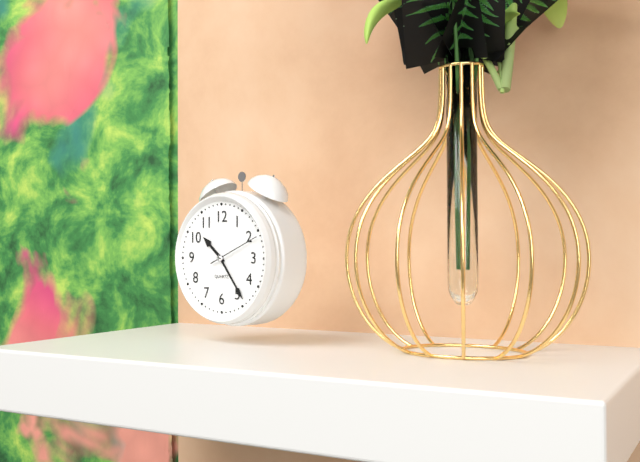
10h24m11s
